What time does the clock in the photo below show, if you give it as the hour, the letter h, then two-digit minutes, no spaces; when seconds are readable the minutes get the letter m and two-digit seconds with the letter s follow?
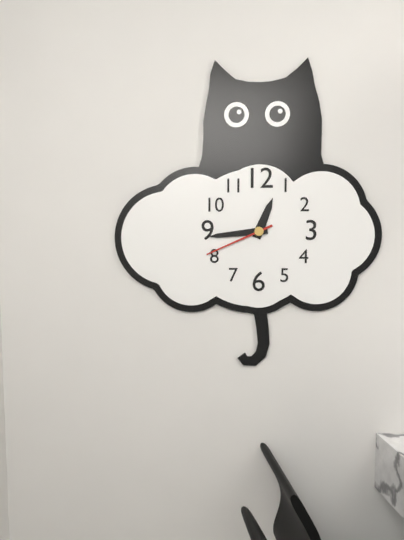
12h44m41s
